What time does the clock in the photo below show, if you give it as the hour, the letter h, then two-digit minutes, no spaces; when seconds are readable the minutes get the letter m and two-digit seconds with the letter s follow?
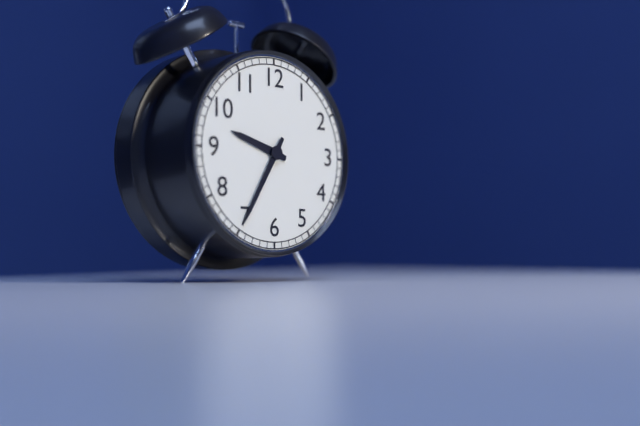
9h35
